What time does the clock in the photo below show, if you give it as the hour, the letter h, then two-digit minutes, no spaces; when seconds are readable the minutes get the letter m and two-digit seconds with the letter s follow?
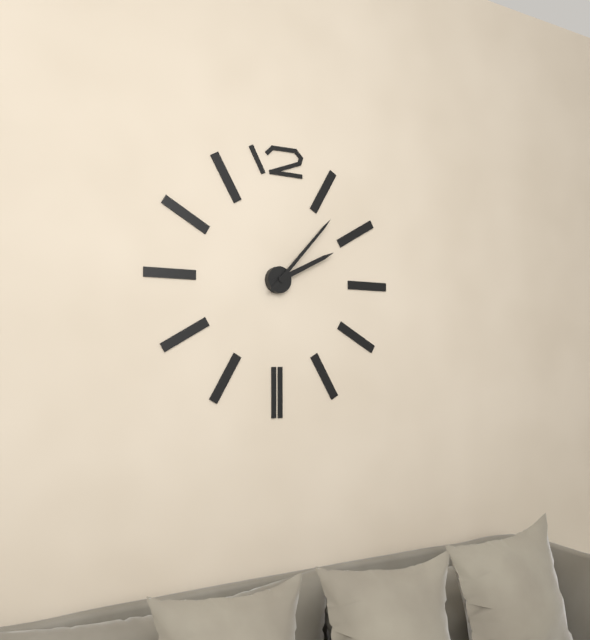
2h07
